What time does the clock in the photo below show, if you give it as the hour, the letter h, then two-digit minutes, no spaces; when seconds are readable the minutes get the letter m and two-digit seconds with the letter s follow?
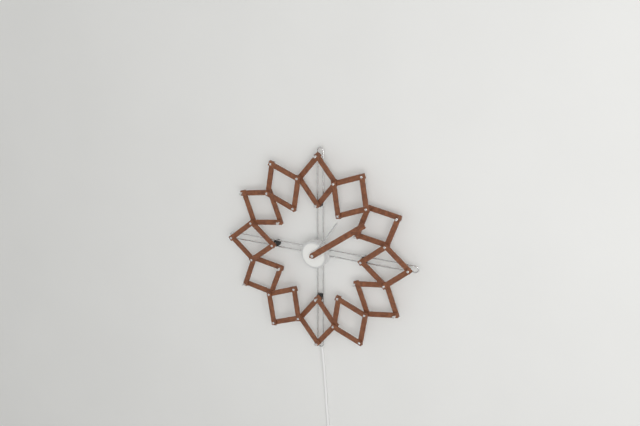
1h09
